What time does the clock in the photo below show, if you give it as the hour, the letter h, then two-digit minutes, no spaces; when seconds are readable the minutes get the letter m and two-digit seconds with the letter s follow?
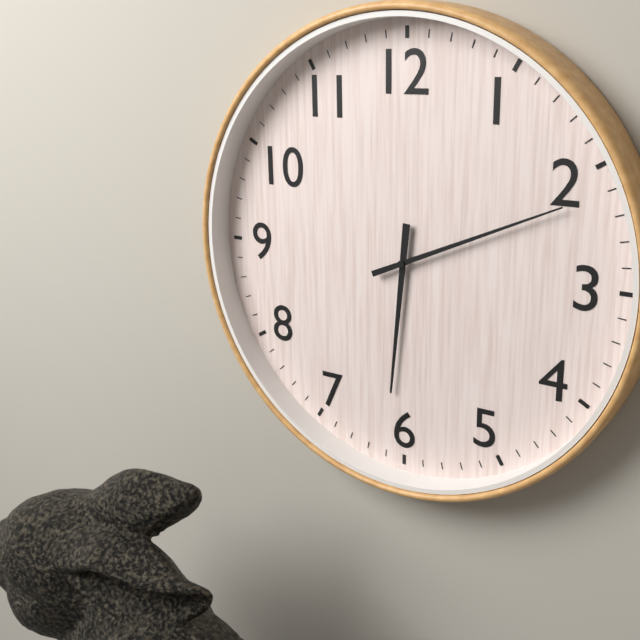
6h11
